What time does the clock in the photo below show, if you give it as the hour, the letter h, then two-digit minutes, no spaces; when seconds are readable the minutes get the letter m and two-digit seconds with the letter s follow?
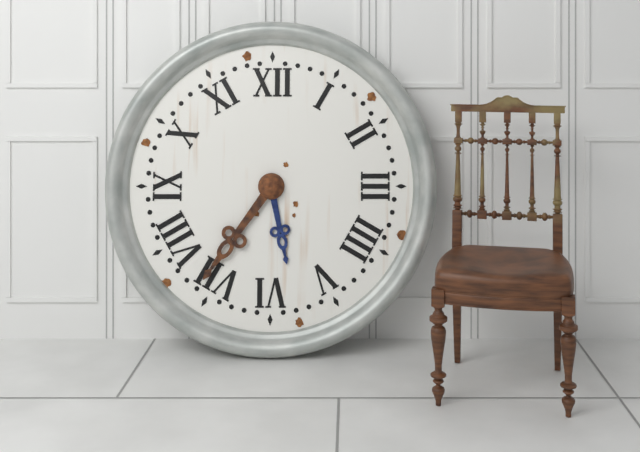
5h36
